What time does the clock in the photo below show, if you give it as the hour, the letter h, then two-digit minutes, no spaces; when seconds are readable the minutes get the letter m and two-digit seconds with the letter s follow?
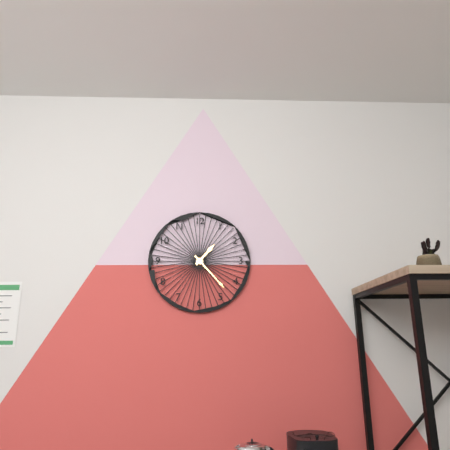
1h23
